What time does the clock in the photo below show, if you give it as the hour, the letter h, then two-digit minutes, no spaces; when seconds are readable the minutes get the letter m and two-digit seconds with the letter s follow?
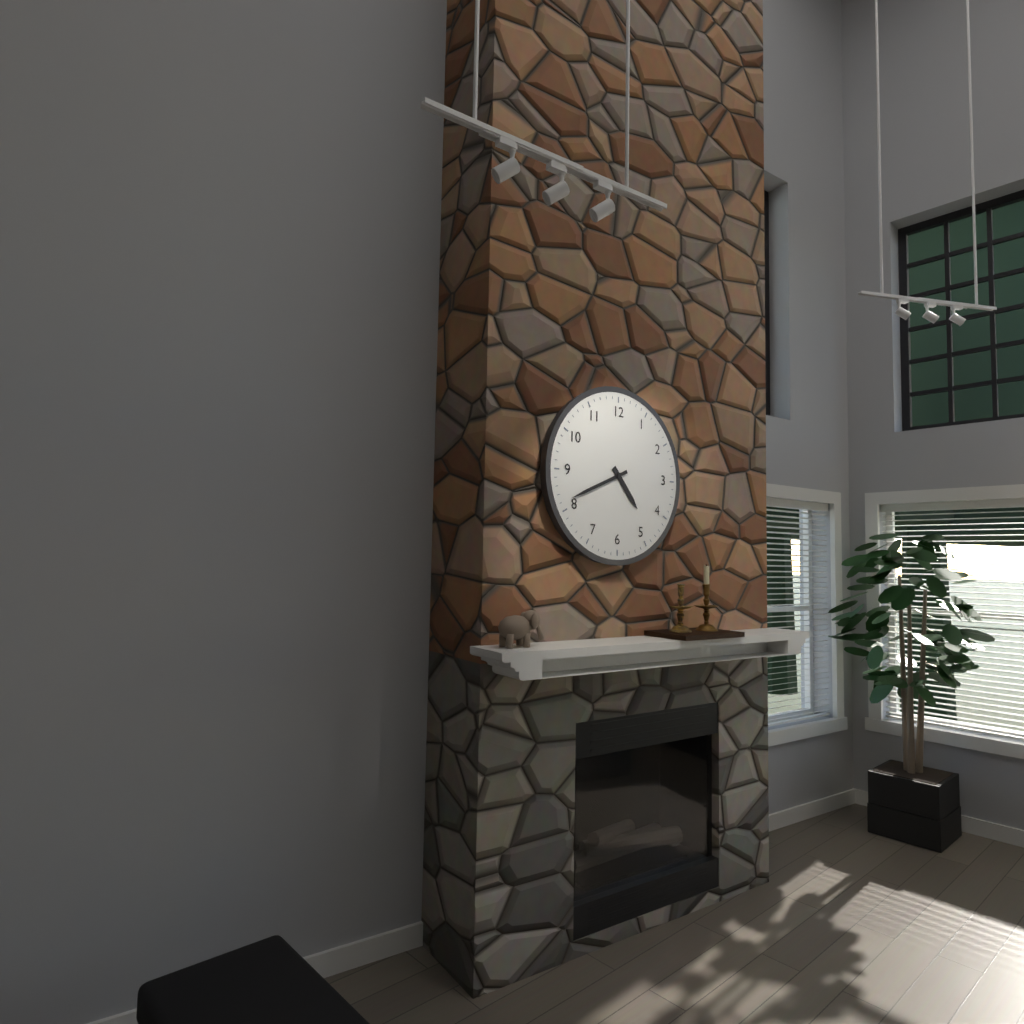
4h41
